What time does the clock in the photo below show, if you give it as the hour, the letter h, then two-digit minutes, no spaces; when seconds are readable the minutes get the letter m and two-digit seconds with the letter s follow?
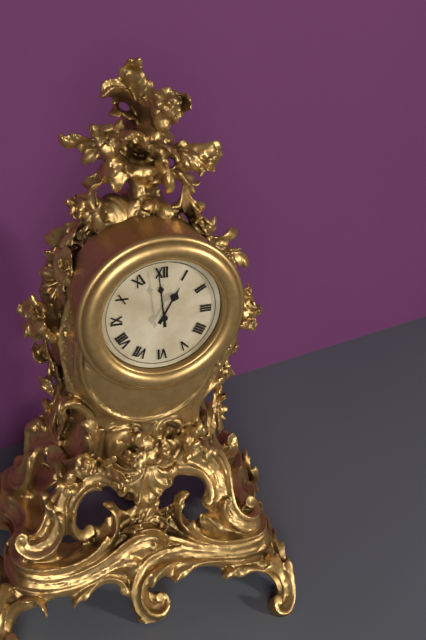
12h59
